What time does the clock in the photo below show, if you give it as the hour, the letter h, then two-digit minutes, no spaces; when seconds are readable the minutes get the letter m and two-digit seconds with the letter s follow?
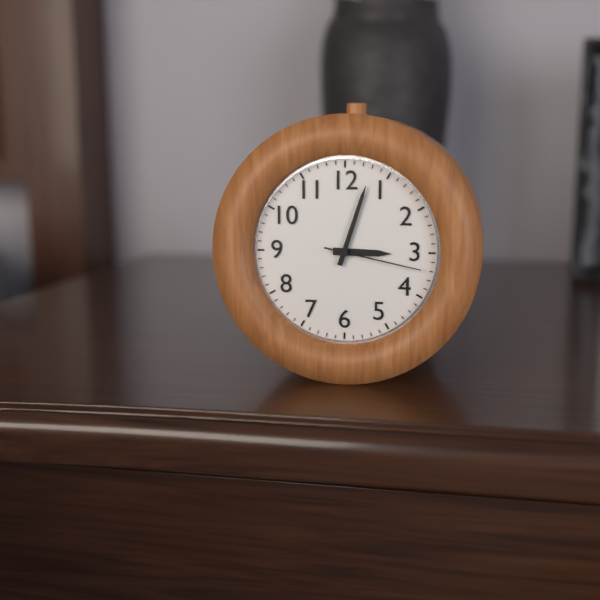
3h03m17s
